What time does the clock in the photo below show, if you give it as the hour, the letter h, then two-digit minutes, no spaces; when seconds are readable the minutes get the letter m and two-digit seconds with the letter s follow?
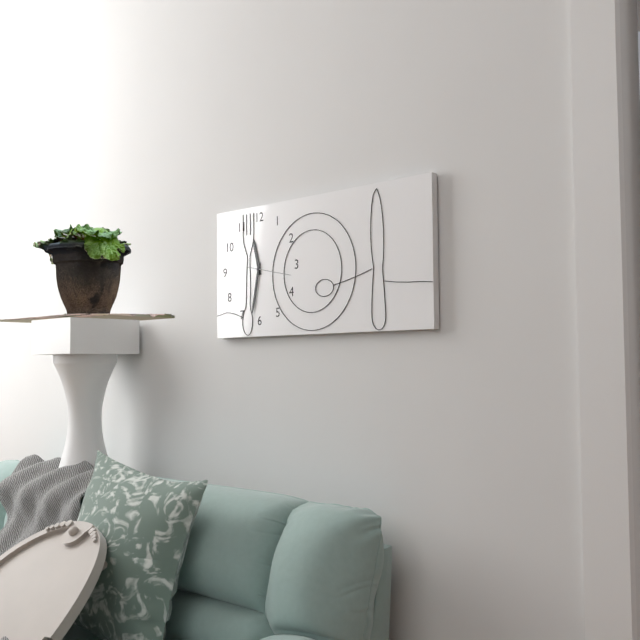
11h32
